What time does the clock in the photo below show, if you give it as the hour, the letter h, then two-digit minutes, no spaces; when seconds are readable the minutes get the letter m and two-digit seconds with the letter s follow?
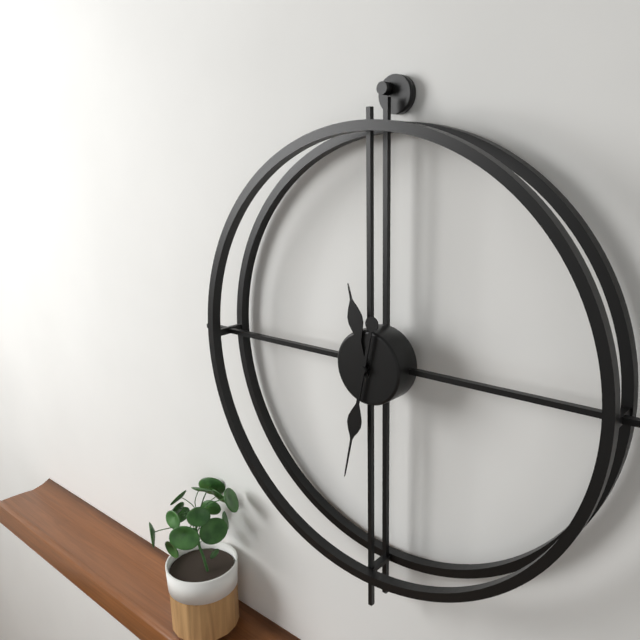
11h32
